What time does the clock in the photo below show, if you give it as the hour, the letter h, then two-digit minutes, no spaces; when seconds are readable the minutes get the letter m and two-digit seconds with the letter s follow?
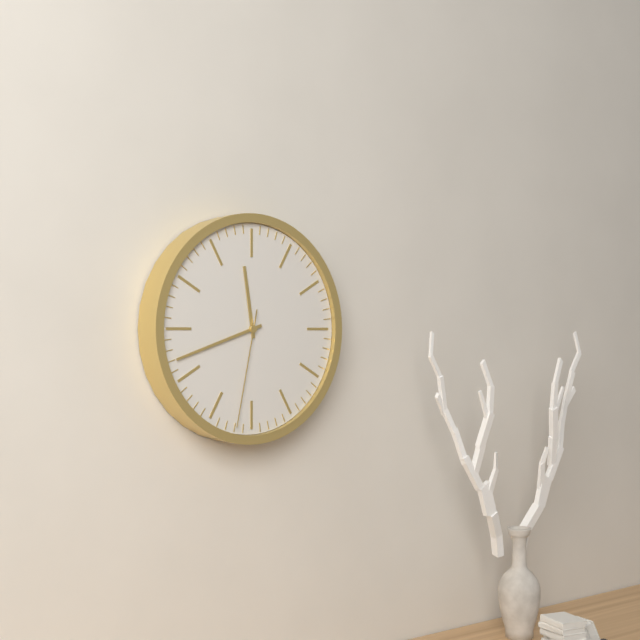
11h42m32s
